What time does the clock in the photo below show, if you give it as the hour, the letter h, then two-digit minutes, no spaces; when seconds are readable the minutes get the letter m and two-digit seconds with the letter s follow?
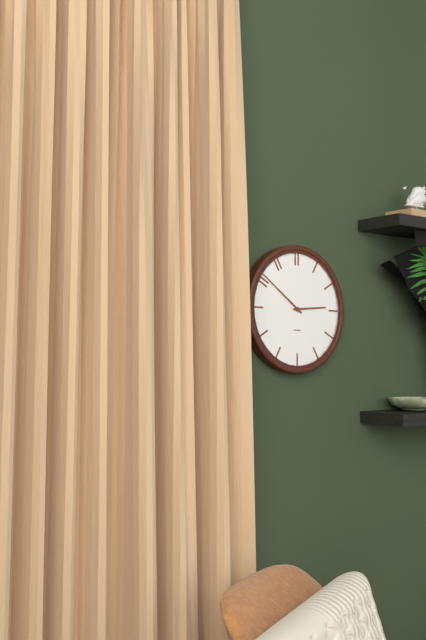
2h51
